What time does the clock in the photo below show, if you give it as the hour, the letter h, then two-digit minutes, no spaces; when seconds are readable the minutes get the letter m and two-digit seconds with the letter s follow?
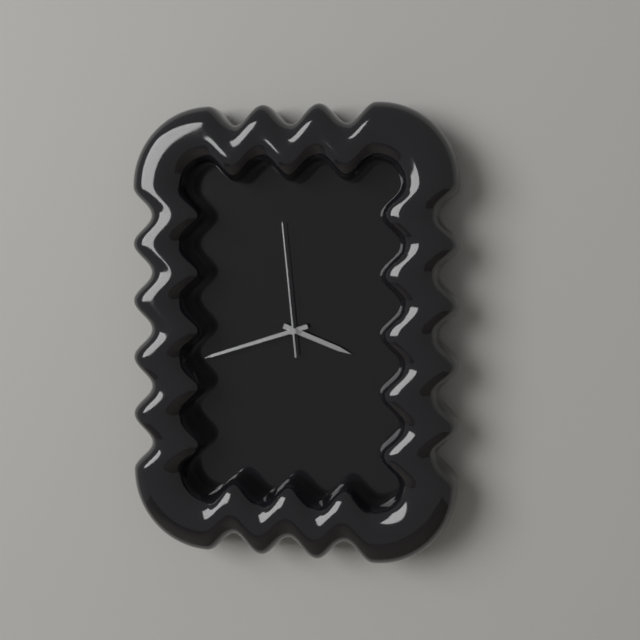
3h42m59s
